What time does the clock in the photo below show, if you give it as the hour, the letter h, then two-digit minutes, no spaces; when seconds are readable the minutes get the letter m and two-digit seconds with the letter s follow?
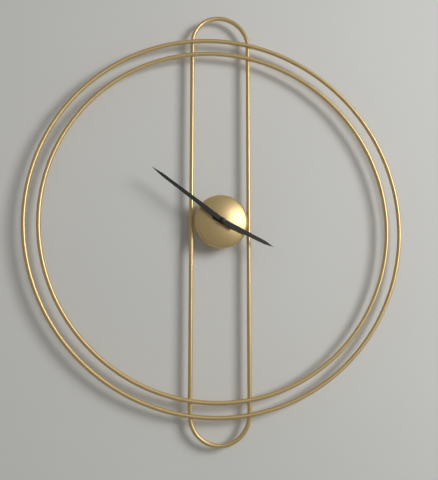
3h51
